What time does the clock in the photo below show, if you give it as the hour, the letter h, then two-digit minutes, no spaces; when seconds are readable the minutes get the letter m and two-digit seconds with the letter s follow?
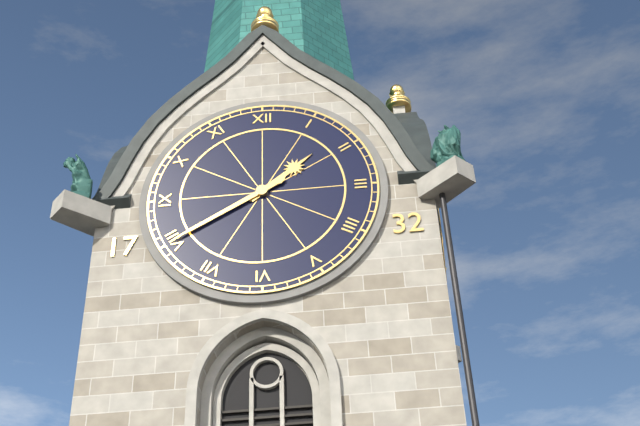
1h40
